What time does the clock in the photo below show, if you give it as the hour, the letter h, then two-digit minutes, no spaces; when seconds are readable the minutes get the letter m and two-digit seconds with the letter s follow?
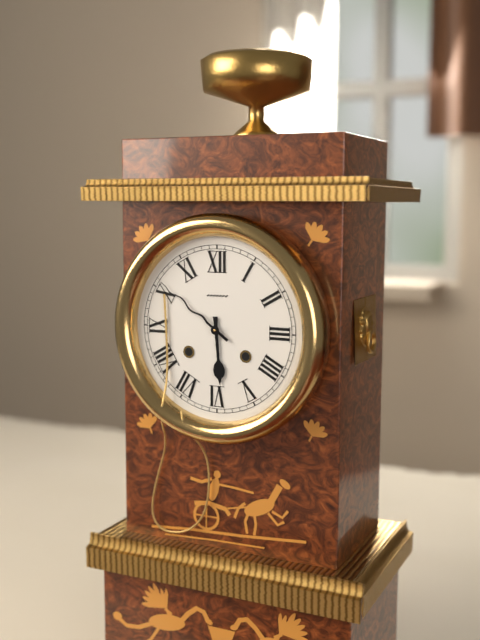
5h51
